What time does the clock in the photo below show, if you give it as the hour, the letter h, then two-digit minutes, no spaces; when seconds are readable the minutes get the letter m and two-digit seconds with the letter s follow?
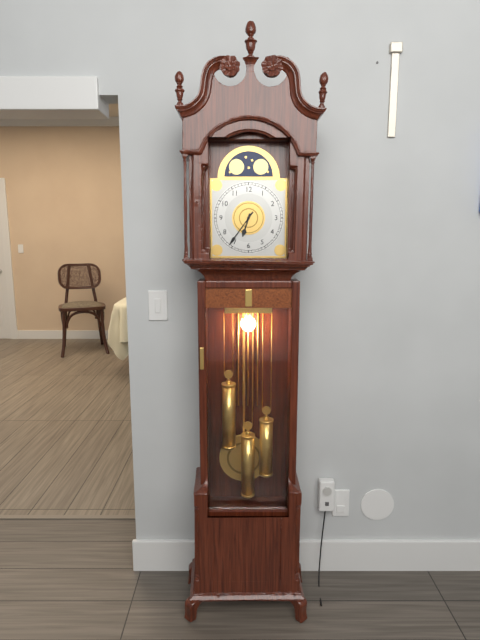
6h36
